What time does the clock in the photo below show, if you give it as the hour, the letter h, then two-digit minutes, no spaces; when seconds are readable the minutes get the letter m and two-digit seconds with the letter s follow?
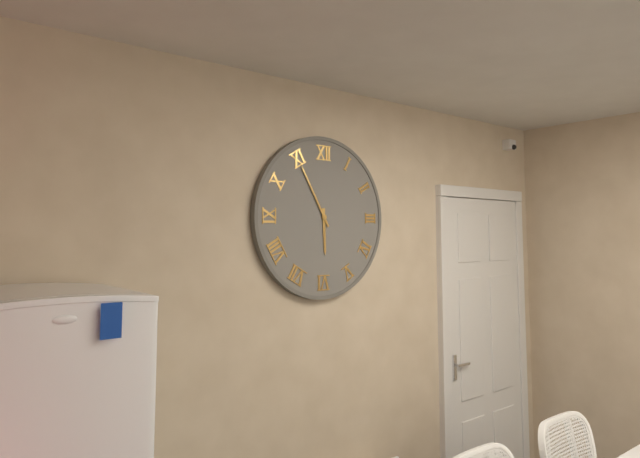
5h55
